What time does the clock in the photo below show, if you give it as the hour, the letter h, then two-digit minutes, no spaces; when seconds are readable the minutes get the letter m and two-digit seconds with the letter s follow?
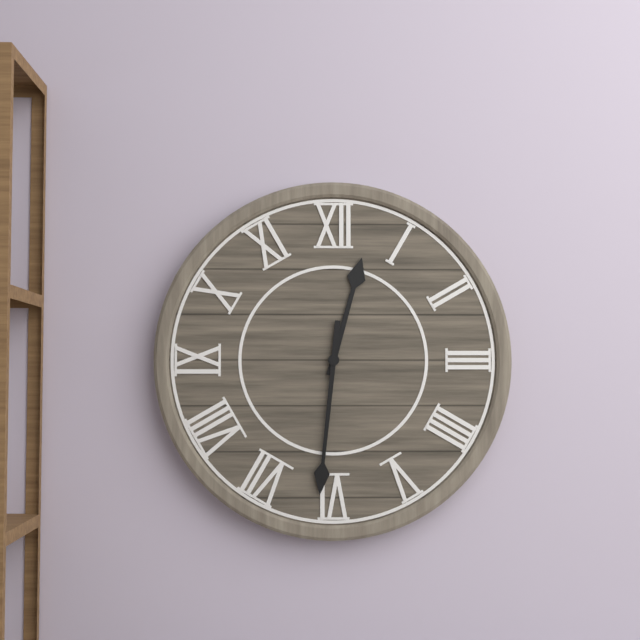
12h31
